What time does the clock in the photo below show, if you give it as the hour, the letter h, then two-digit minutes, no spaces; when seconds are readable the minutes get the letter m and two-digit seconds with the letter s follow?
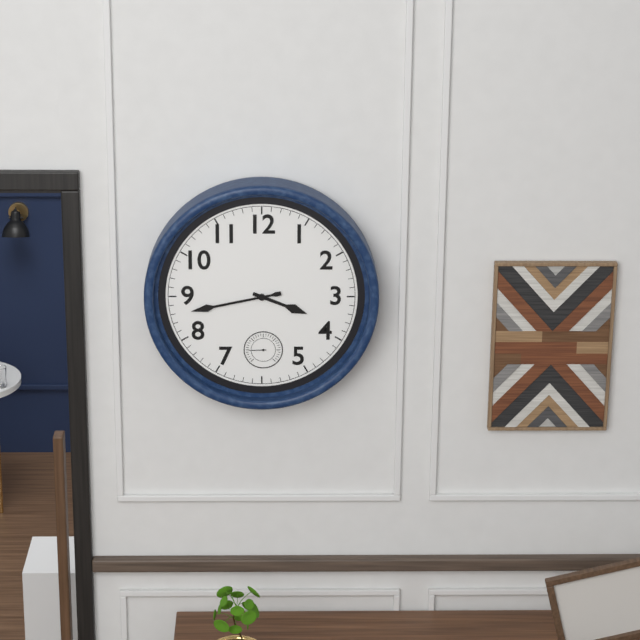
3h43
